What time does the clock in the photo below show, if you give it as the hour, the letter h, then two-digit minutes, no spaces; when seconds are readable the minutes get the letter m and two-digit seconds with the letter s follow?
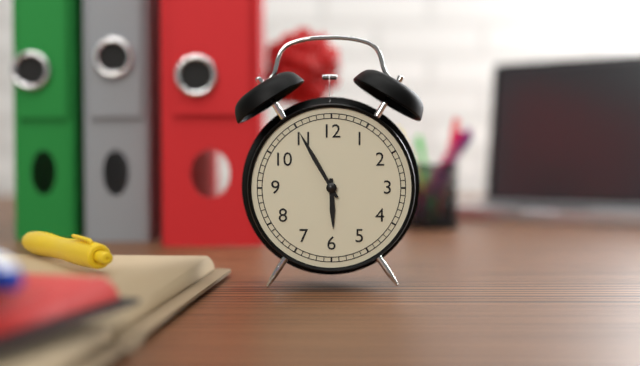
5h55
